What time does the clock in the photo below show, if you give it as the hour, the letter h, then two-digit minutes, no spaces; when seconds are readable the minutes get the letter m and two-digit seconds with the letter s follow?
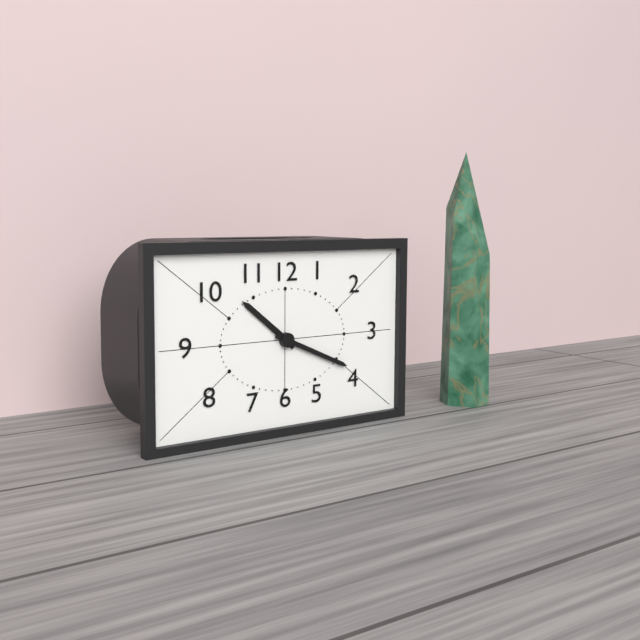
10h19
